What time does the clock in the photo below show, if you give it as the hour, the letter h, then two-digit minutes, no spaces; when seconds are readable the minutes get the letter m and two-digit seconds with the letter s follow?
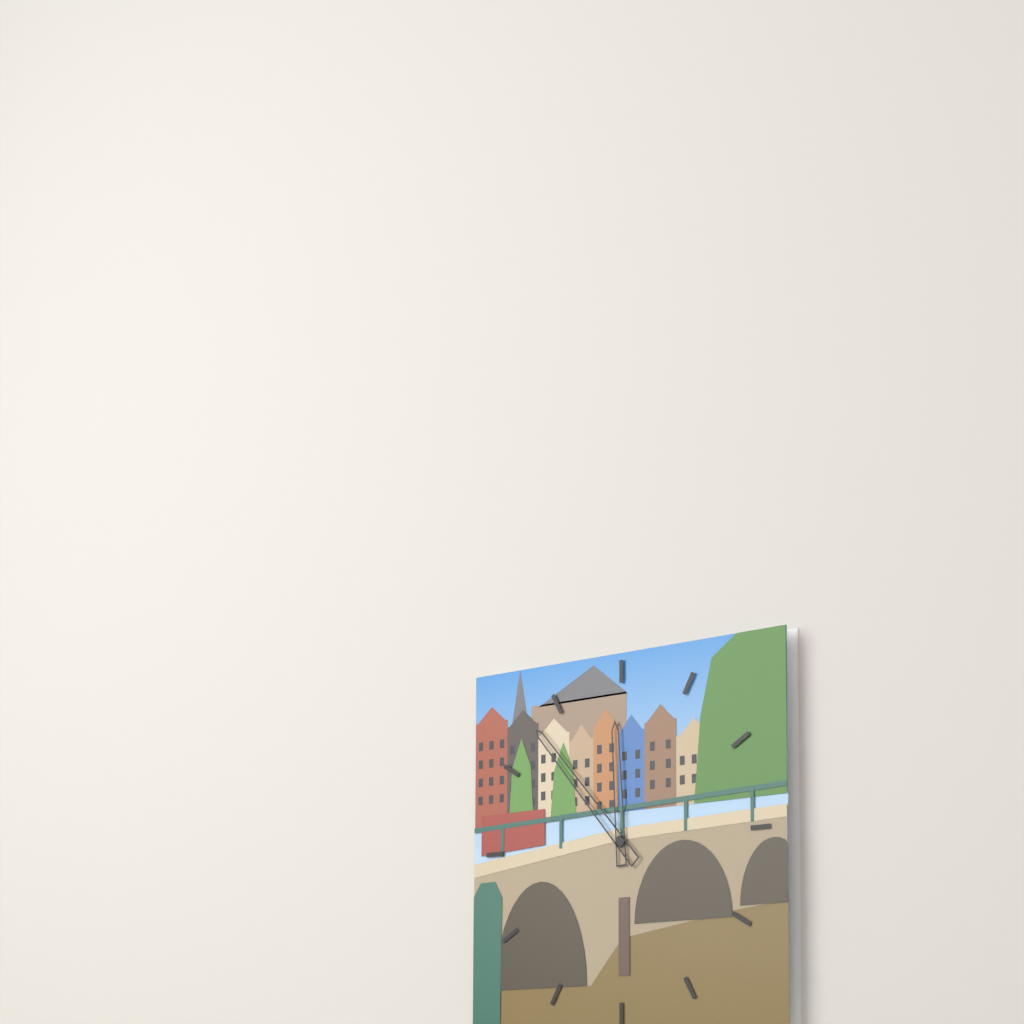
11h53
